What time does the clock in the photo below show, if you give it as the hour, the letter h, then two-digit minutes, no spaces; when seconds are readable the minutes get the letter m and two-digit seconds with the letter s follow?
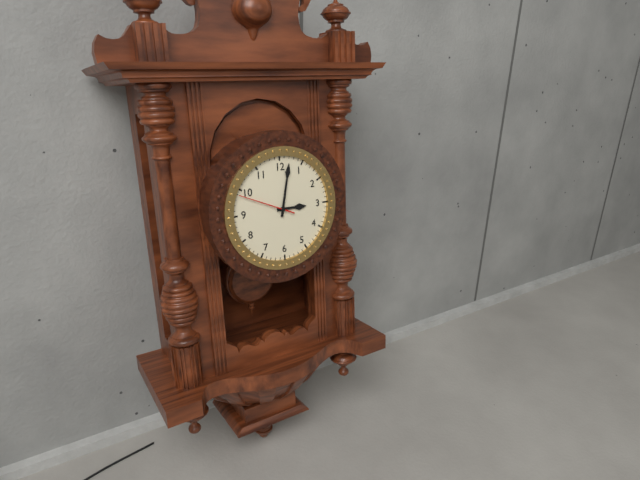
3h02m49s
